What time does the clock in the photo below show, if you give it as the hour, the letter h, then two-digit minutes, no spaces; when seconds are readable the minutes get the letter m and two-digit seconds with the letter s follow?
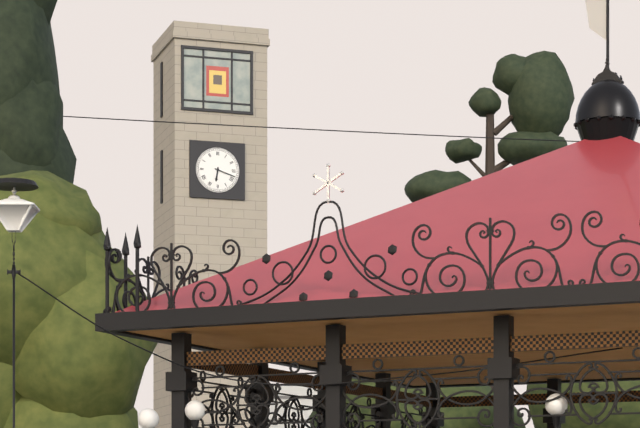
6h18
